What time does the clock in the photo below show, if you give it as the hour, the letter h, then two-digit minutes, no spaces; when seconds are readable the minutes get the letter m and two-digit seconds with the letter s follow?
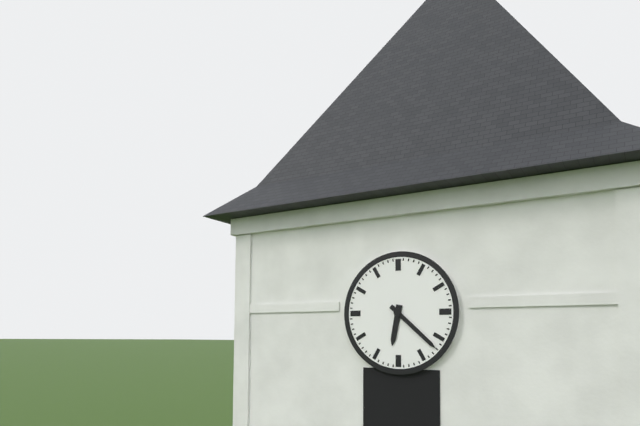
6h22
